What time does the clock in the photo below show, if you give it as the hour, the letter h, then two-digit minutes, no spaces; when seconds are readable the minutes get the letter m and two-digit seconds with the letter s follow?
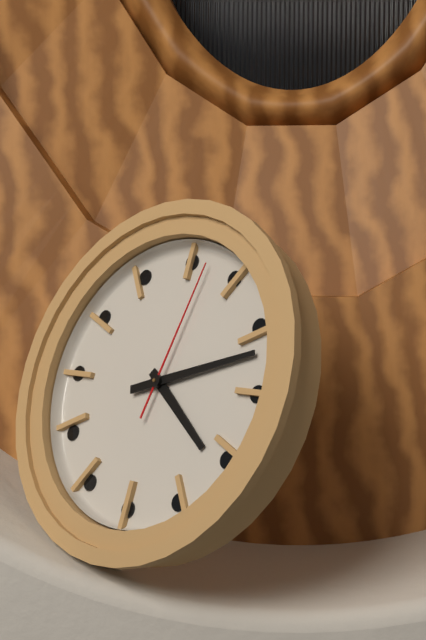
4h12m02s
